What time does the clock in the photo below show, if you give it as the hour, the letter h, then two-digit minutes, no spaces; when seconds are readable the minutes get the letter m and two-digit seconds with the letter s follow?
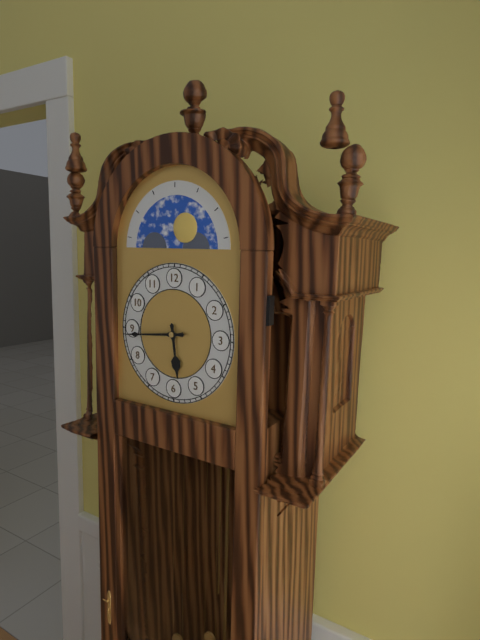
5h44
